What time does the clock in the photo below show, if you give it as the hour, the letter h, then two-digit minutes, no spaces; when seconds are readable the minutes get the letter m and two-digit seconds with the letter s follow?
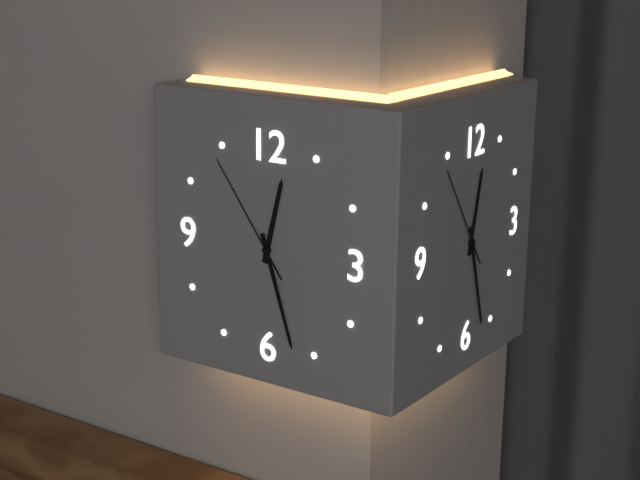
12h27m54s
